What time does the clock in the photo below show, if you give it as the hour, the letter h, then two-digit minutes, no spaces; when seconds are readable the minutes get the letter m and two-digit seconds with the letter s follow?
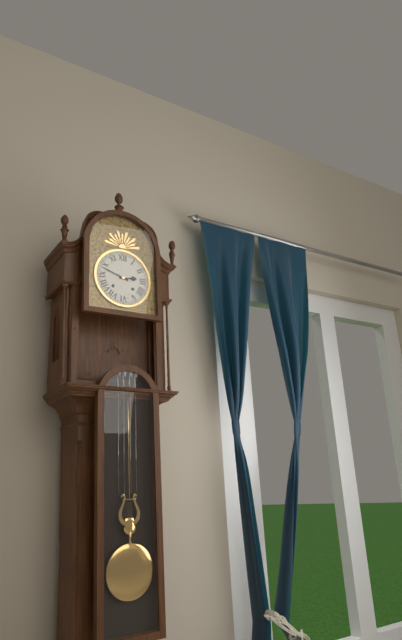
2h48
